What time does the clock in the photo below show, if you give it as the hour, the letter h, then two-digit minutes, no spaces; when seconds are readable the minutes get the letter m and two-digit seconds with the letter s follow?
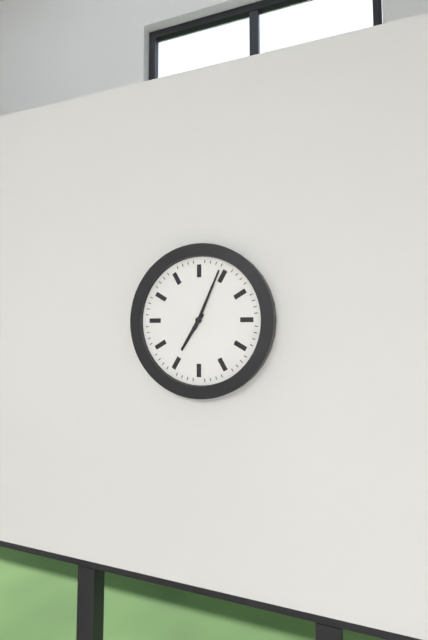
7h04
